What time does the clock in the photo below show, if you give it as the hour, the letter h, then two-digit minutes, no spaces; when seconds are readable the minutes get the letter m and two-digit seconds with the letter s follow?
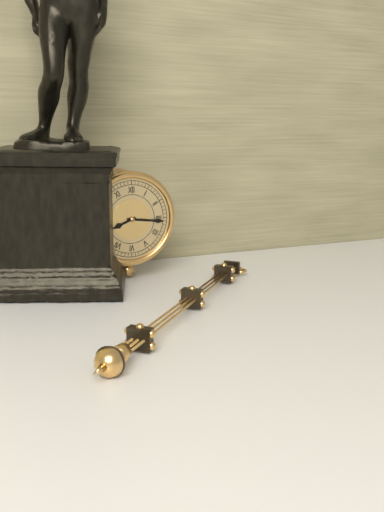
8h16
